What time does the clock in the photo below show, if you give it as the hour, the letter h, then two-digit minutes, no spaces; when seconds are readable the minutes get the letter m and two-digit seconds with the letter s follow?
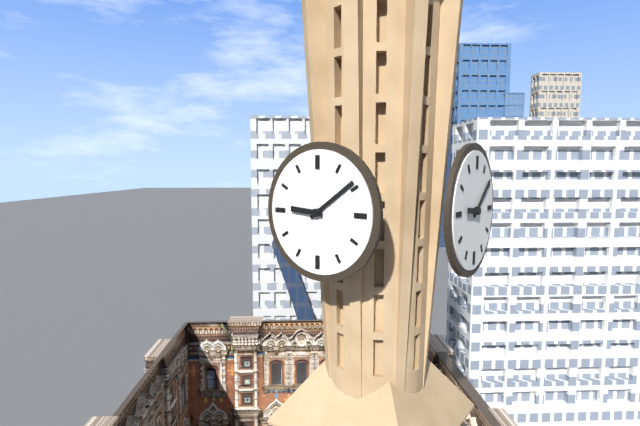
9h09
